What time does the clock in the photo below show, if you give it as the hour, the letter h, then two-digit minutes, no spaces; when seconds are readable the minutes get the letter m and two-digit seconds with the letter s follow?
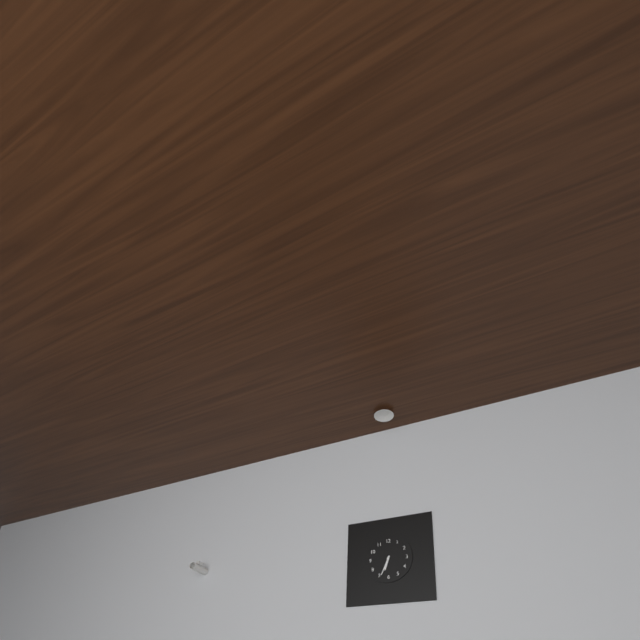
6h34
